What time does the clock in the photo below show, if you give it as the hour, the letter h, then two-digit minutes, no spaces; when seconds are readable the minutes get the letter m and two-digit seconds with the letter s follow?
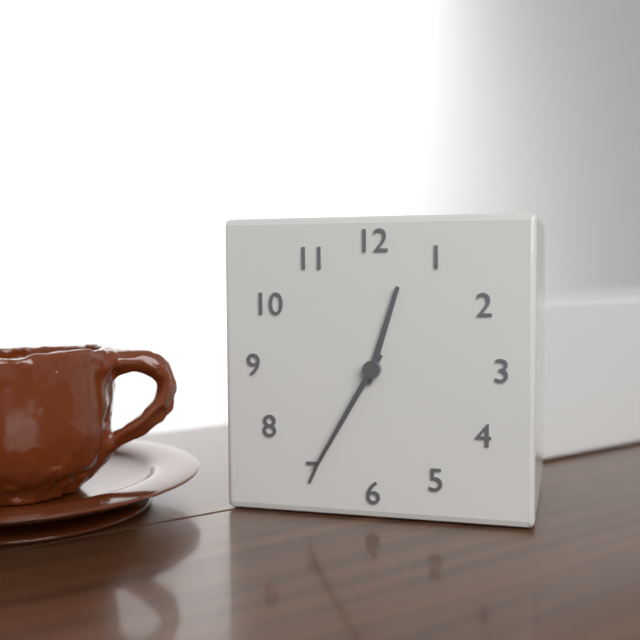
12h35
